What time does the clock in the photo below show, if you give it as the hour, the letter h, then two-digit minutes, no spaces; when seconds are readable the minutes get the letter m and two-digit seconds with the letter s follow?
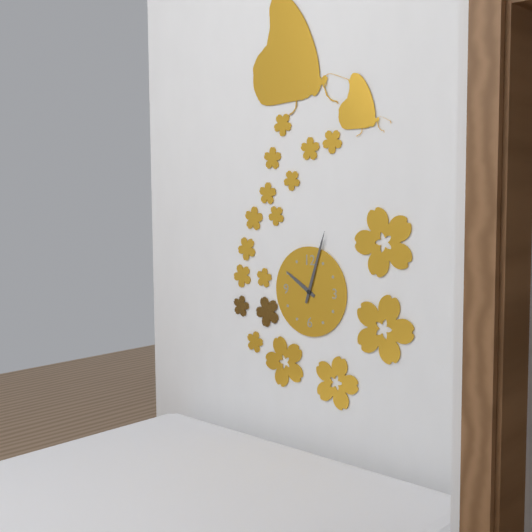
10h03
